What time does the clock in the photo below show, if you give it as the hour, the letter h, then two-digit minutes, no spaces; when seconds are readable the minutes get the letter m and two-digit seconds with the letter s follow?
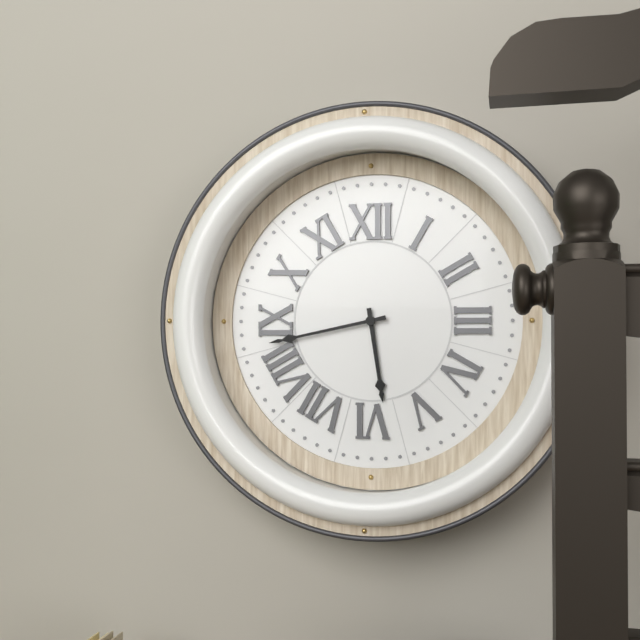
5h43
